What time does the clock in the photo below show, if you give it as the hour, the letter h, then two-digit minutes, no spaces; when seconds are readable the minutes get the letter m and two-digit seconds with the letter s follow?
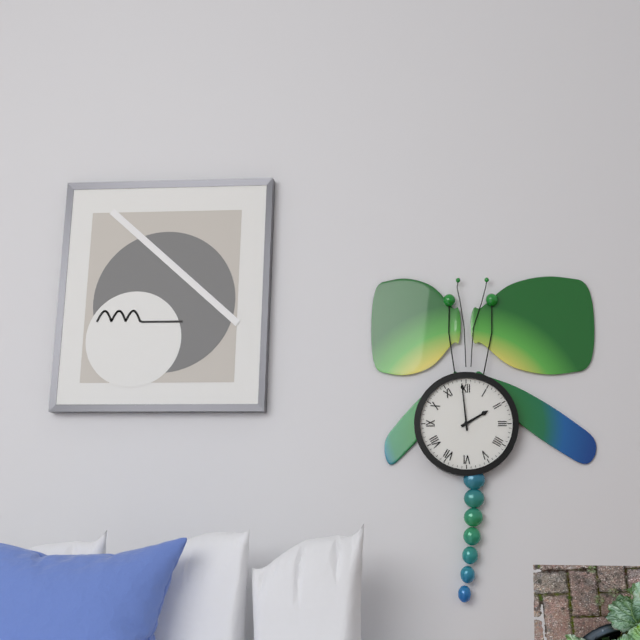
1h59
